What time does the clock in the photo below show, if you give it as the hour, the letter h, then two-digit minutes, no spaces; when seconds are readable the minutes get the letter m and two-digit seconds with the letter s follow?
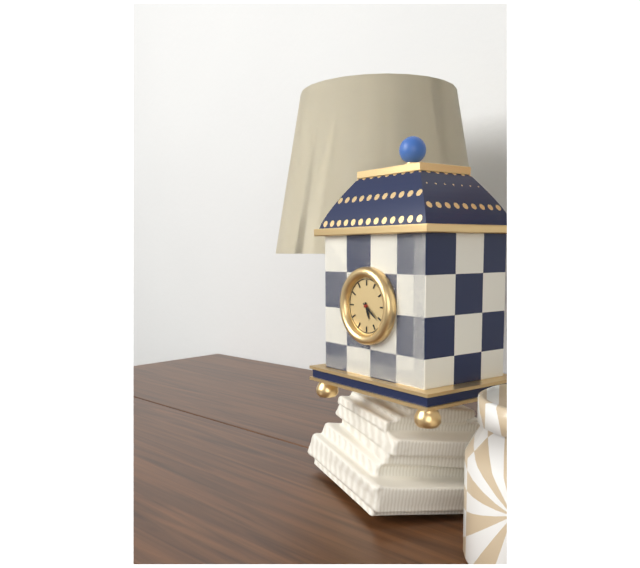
5h21
